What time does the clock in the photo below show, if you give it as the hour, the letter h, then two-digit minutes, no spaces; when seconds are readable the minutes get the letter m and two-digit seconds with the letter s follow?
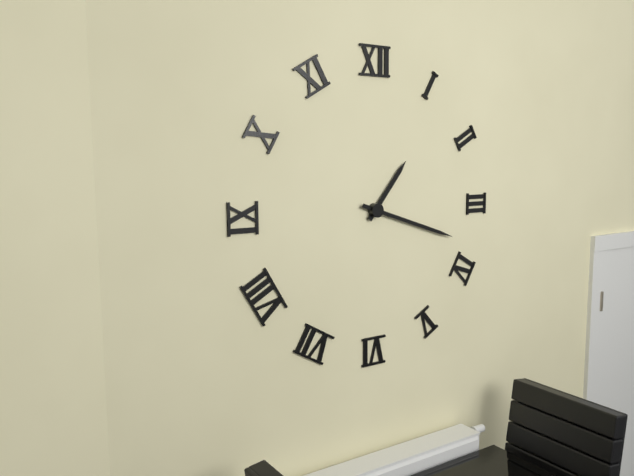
1h18
